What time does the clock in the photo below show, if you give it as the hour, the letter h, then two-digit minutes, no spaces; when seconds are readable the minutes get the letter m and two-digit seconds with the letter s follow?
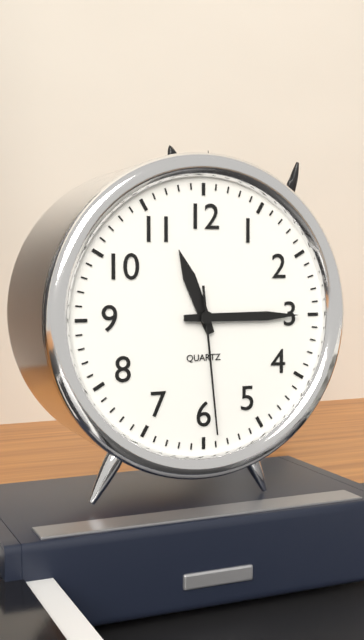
11h15m29s
